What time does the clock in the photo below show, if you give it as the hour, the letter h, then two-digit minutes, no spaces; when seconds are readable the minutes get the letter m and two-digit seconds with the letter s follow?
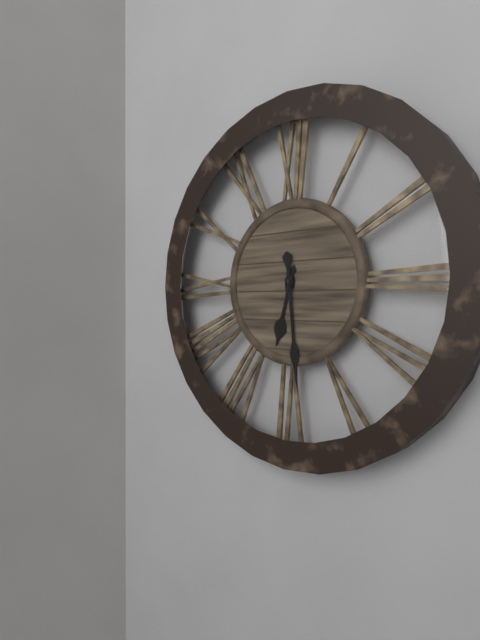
6h29
